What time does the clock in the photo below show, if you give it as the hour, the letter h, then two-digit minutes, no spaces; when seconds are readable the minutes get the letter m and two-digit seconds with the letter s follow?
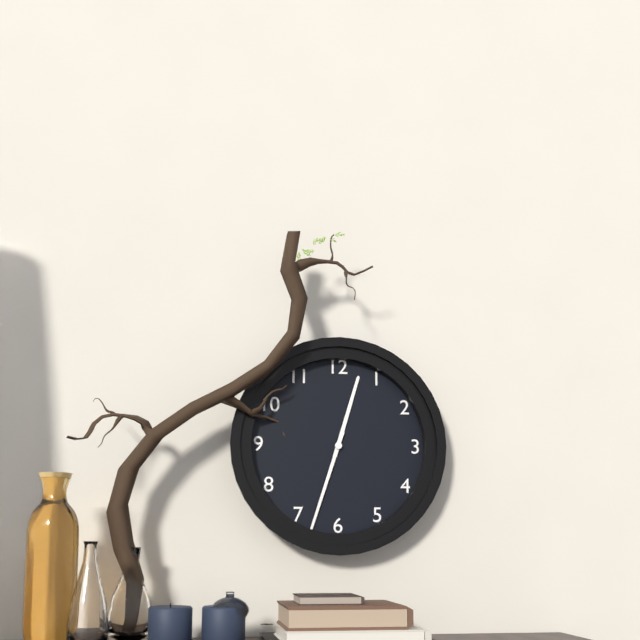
12h33
